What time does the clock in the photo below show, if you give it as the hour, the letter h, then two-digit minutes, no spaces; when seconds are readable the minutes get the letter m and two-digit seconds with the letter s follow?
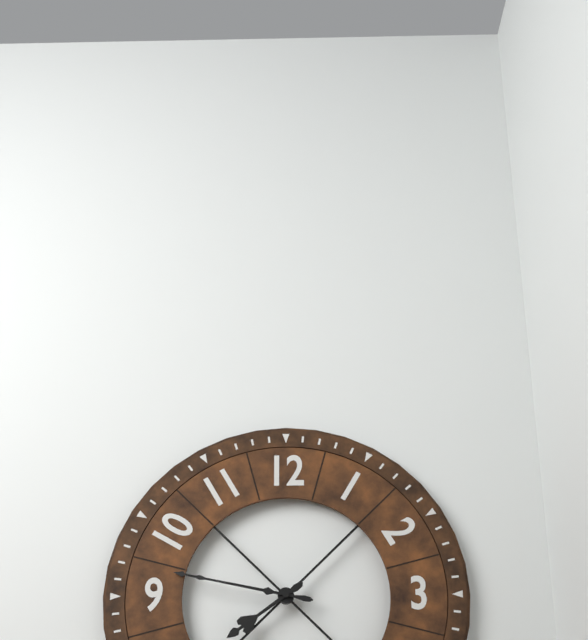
7h47
